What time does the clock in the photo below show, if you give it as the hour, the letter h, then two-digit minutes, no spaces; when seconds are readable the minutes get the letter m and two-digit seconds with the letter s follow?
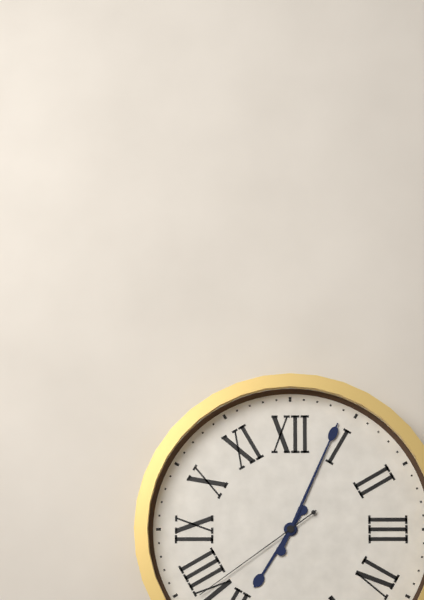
7h04m39s
